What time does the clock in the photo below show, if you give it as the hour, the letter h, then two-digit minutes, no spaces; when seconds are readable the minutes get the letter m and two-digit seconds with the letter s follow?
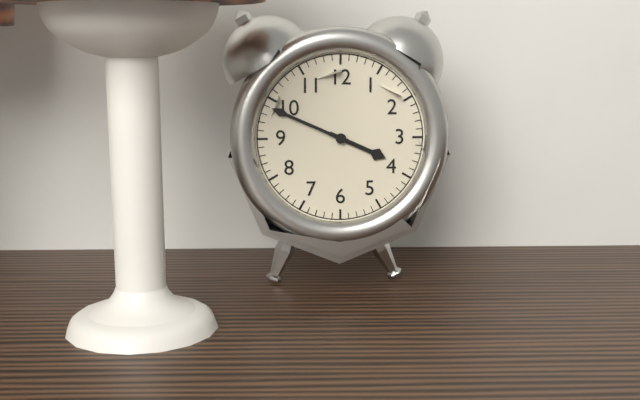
3h49
